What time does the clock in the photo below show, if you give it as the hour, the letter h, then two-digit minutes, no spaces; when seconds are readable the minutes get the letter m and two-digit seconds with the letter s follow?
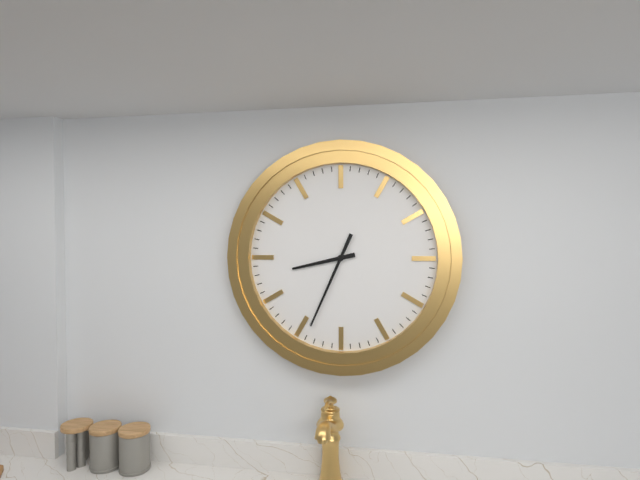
8h34
